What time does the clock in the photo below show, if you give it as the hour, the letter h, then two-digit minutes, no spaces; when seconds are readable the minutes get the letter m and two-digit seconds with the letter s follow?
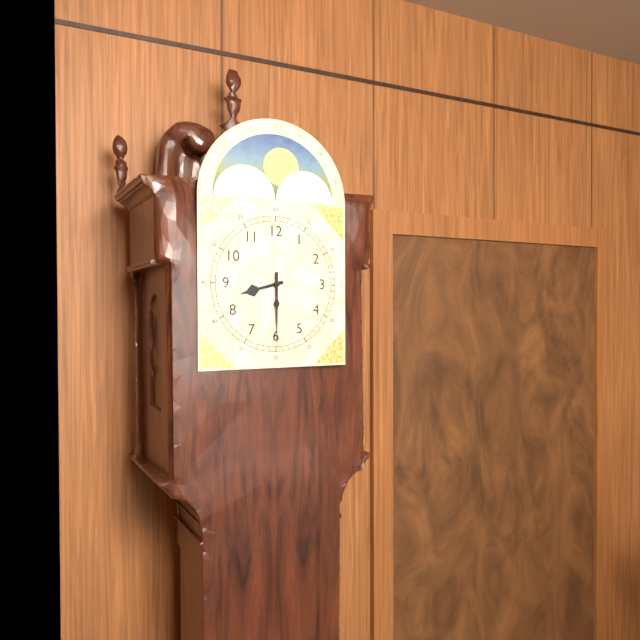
8h30
